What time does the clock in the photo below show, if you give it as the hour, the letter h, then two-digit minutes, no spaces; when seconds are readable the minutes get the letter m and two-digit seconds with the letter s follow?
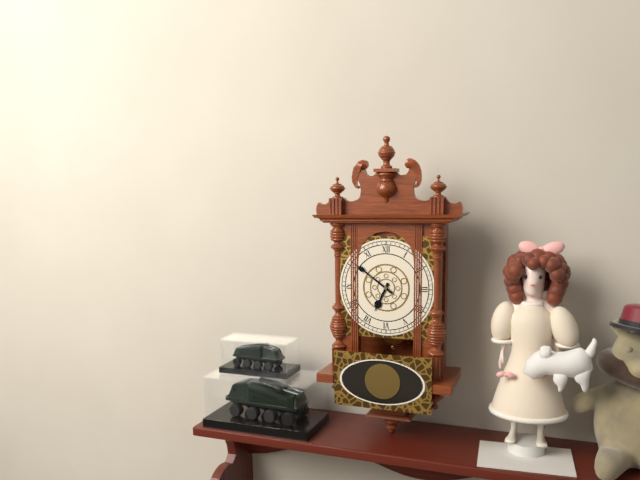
6h51
